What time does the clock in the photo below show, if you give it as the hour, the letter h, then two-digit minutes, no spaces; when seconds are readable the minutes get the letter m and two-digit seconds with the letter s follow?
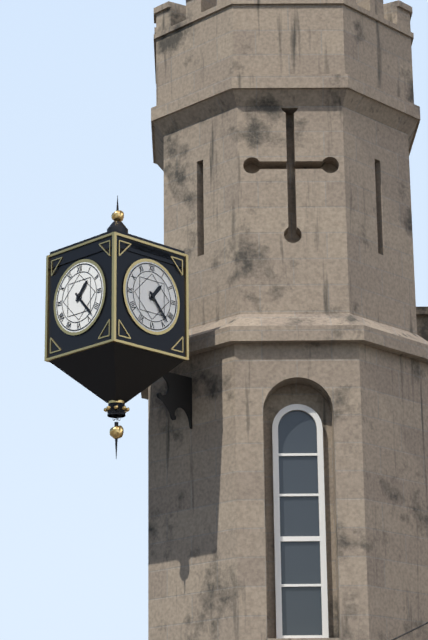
1h23
